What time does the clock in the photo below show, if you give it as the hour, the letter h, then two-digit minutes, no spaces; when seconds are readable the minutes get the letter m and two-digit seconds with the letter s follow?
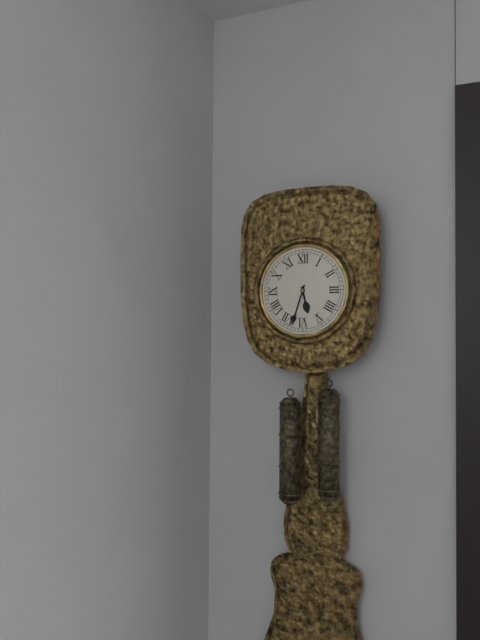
5h33
